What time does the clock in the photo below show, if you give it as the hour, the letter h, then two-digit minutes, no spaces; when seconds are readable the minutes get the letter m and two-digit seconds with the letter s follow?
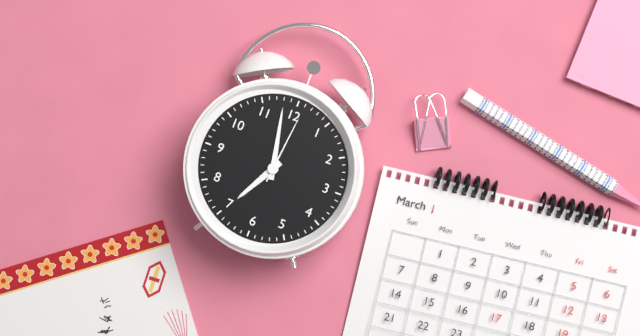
6h58m01s
